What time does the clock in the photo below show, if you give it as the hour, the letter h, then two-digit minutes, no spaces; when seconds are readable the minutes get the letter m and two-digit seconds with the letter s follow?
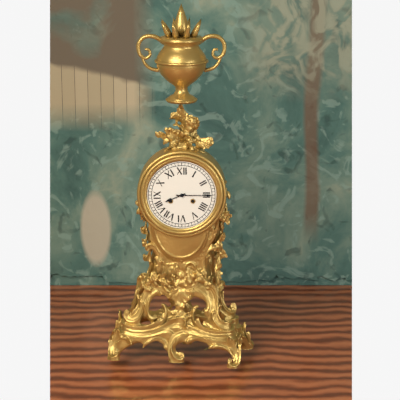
8h15
